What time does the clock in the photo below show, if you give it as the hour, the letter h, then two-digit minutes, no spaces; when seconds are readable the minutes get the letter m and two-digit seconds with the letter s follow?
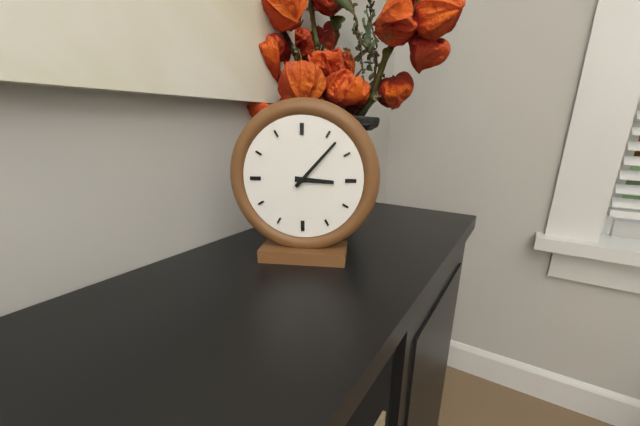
3h07
